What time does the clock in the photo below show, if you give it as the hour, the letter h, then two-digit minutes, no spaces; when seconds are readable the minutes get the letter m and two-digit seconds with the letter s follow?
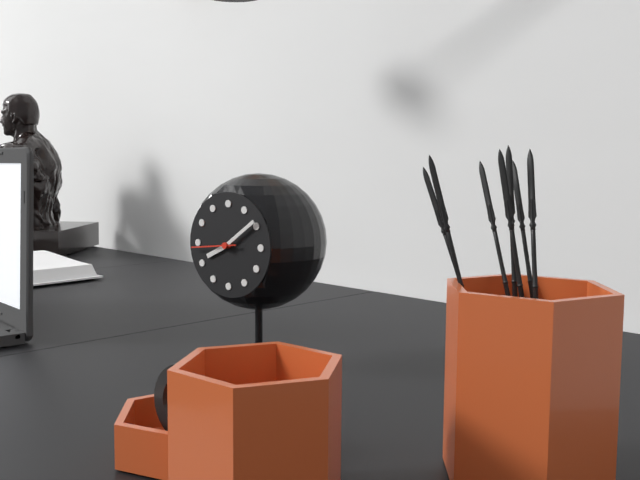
8h09m44s
